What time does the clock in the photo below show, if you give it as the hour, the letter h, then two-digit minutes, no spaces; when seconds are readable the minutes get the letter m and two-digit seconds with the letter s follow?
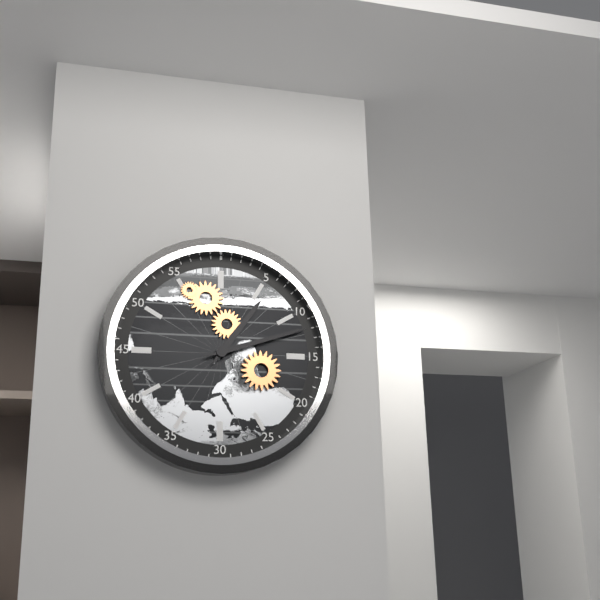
1h12
